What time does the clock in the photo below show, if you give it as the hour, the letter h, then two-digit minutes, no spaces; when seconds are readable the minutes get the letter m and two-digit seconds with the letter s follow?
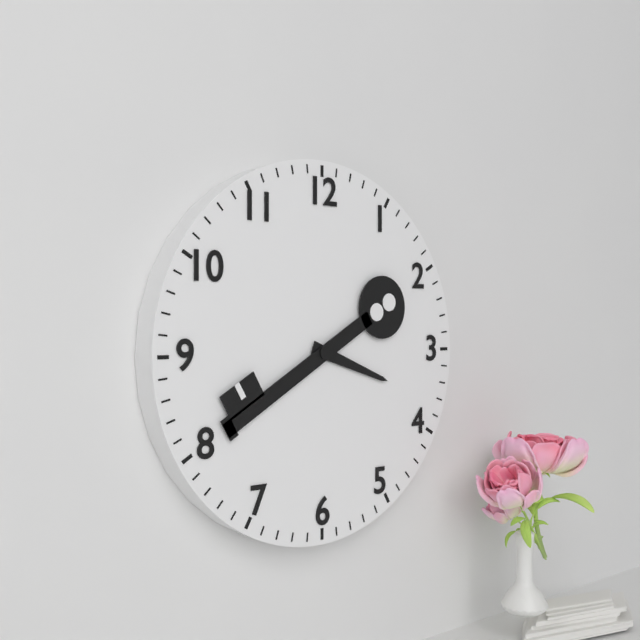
3h40
